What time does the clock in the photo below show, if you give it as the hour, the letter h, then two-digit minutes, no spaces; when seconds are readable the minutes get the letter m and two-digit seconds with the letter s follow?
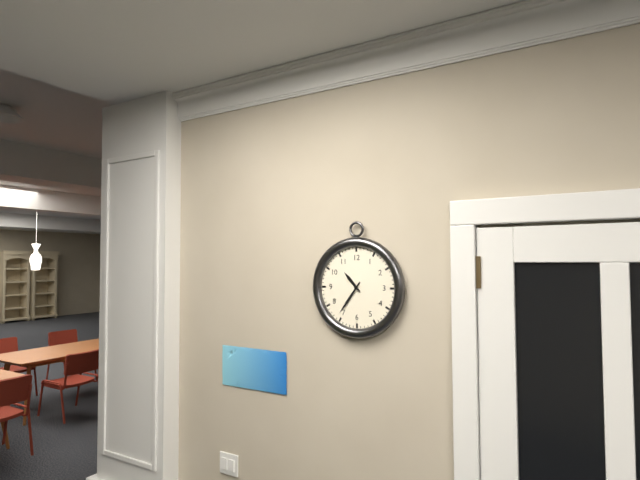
10h36
